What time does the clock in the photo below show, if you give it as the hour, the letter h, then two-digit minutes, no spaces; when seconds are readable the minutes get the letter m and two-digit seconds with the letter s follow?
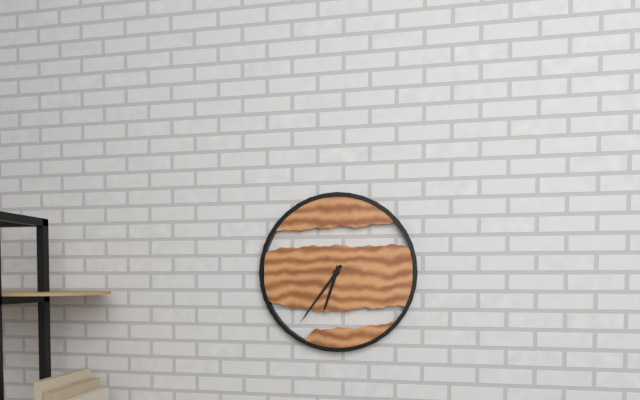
6h36
